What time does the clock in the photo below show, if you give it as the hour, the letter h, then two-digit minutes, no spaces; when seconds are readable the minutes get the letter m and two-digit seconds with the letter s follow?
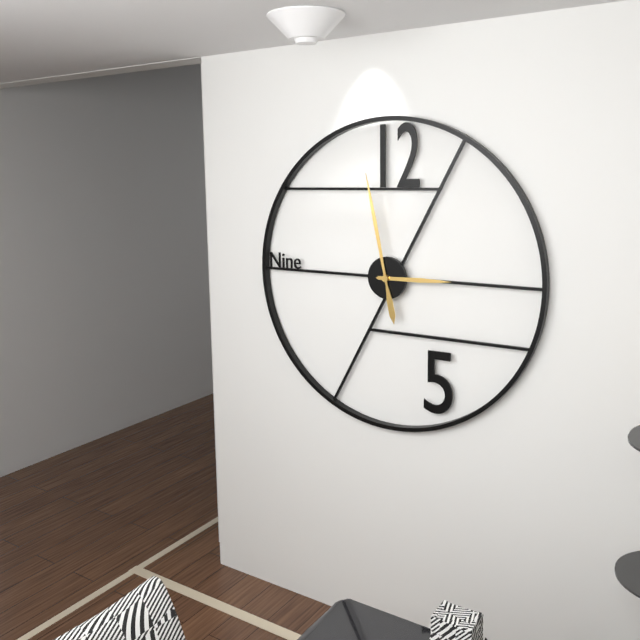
2h58
